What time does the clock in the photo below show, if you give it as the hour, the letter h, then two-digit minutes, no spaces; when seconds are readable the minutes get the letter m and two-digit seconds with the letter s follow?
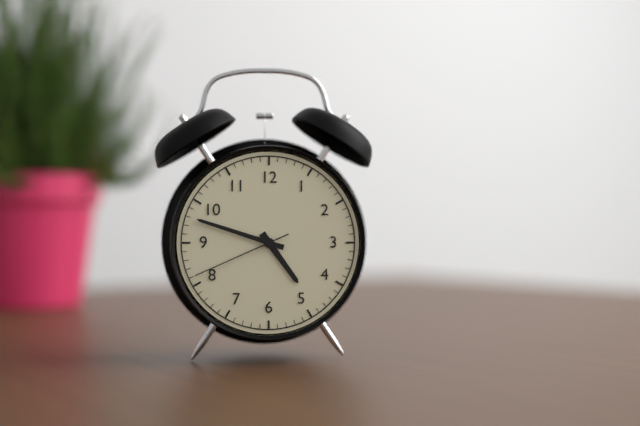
4h48m41s
